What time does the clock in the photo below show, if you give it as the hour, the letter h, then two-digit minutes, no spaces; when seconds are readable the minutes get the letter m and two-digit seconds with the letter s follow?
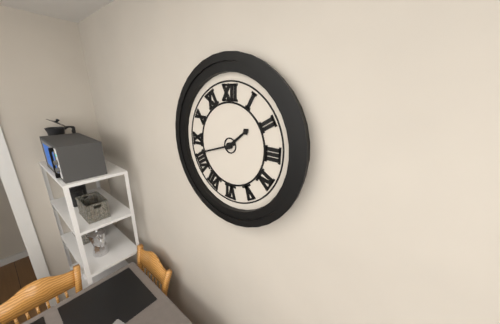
1h42
